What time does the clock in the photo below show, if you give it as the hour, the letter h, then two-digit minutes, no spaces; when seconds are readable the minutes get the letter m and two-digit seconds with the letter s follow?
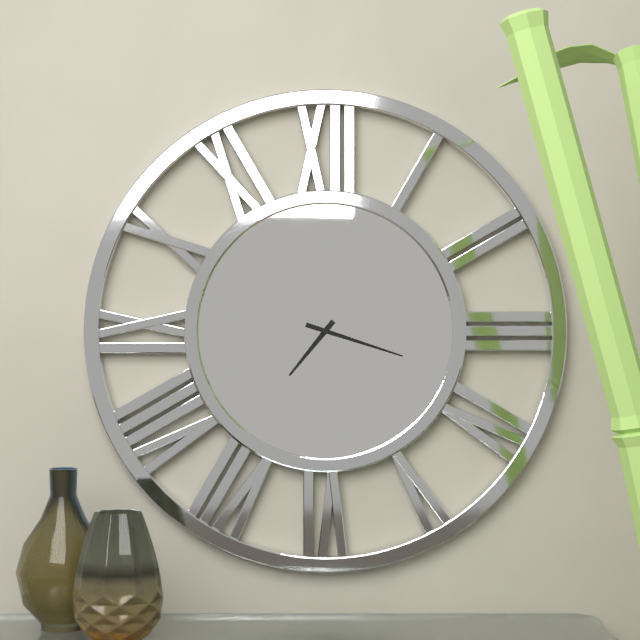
7h18
